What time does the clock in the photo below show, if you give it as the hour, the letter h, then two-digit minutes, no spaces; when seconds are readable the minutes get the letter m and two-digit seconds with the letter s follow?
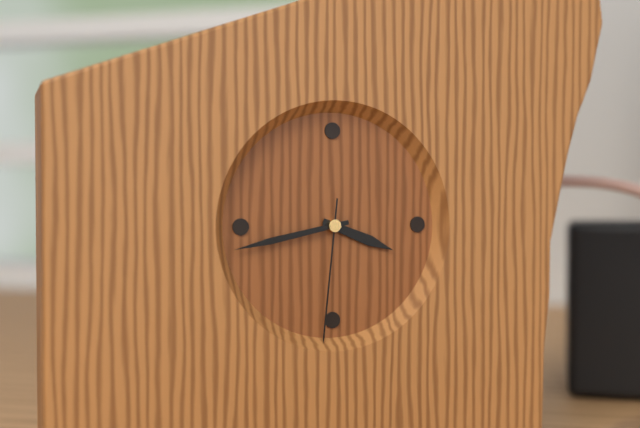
3h43m31s
